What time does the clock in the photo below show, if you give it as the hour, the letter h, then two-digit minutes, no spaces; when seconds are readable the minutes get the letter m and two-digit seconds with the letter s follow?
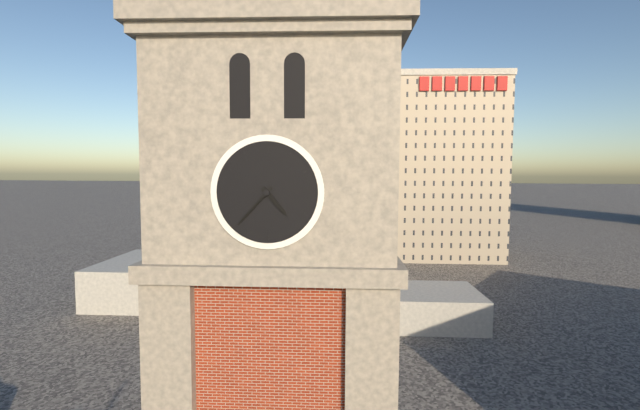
4h37
